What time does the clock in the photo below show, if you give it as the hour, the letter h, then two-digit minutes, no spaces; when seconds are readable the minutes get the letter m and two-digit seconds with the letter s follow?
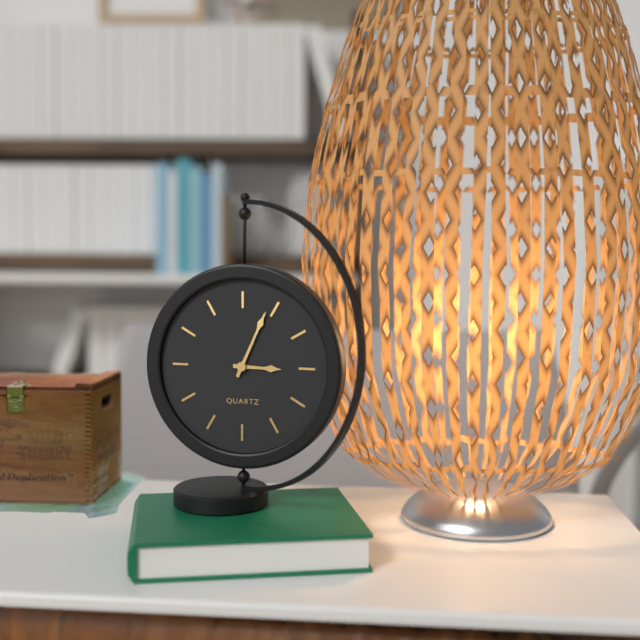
3h04
